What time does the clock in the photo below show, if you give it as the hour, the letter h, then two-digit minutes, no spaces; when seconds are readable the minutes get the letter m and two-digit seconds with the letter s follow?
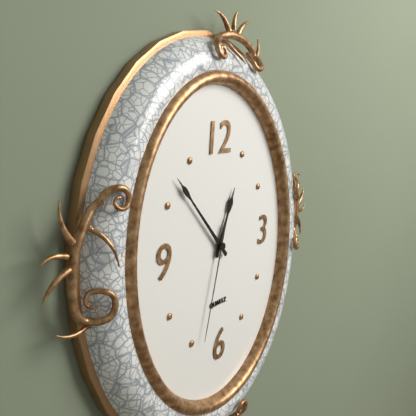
12h53m33s
